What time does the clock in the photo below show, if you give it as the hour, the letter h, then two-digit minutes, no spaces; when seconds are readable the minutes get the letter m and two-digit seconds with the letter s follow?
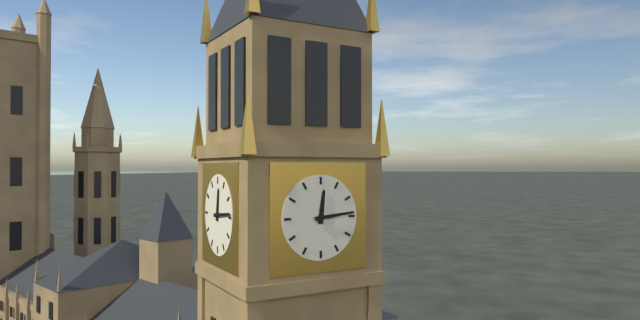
12h14
